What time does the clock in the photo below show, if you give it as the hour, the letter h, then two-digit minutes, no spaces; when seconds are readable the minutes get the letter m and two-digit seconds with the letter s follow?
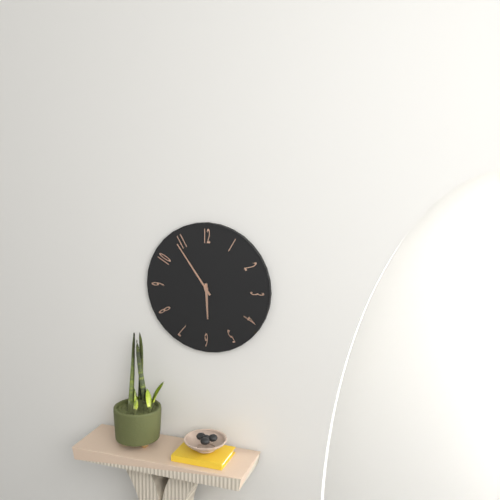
5h54
